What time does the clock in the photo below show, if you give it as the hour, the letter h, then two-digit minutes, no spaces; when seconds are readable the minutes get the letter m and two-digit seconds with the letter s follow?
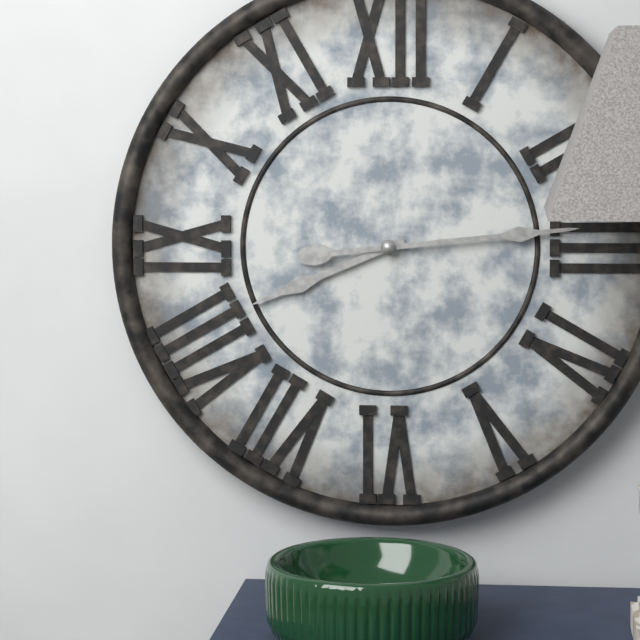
8h14
